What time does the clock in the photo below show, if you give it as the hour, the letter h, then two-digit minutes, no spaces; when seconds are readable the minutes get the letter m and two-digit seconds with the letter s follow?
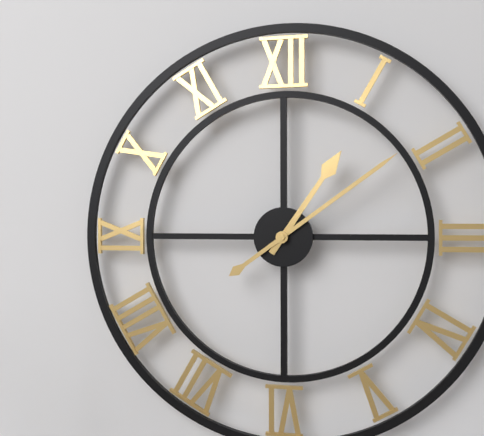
1h09
